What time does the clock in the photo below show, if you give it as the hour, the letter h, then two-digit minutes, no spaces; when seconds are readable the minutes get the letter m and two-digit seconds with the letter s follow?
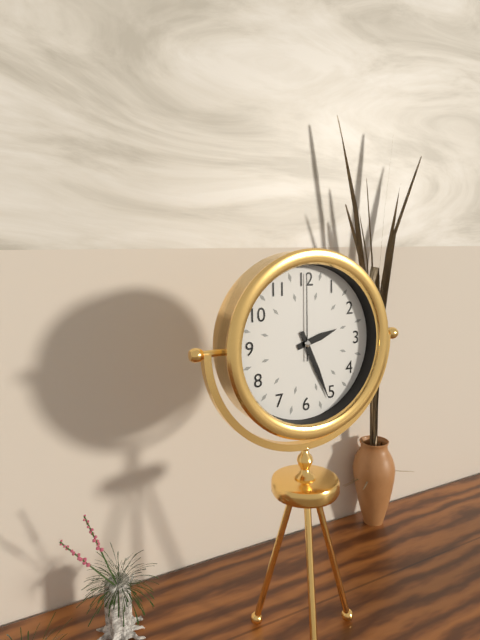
2h26m00s
